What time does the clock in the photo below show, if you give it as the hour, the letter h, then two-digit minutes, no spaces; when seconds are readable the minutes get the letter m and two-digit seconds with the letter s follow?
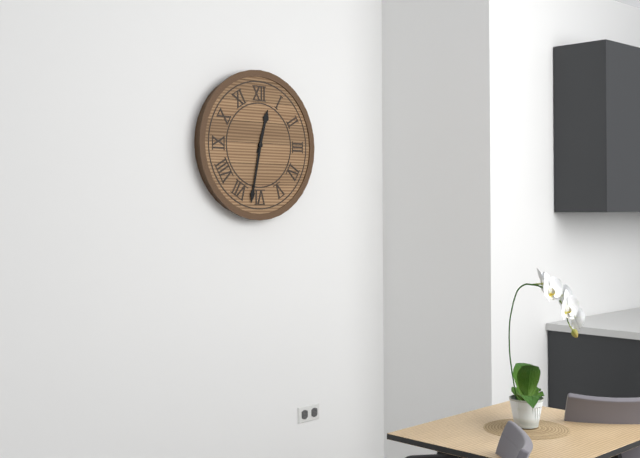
12h32
